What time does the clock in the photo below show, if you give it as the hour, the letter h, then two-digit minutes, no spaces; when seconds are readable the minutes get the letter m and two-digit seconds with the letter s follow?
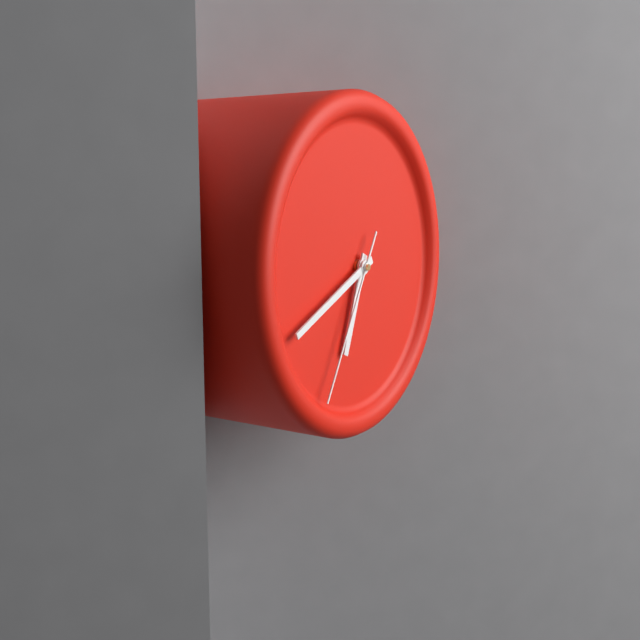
6h41m35s
